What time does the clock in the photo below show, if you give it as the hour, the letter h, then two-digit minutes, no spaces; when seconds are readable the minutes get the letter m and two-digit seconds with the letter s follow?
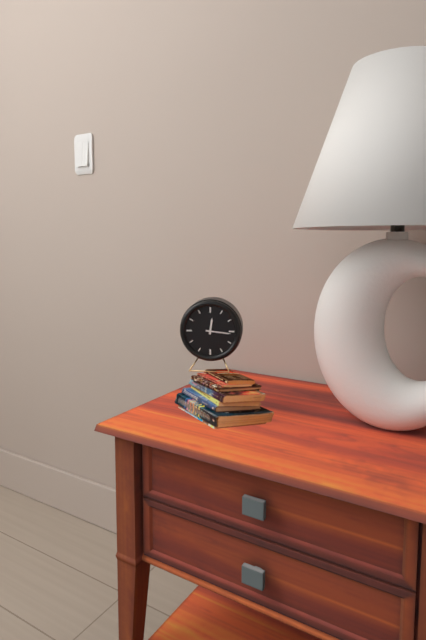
12h16
